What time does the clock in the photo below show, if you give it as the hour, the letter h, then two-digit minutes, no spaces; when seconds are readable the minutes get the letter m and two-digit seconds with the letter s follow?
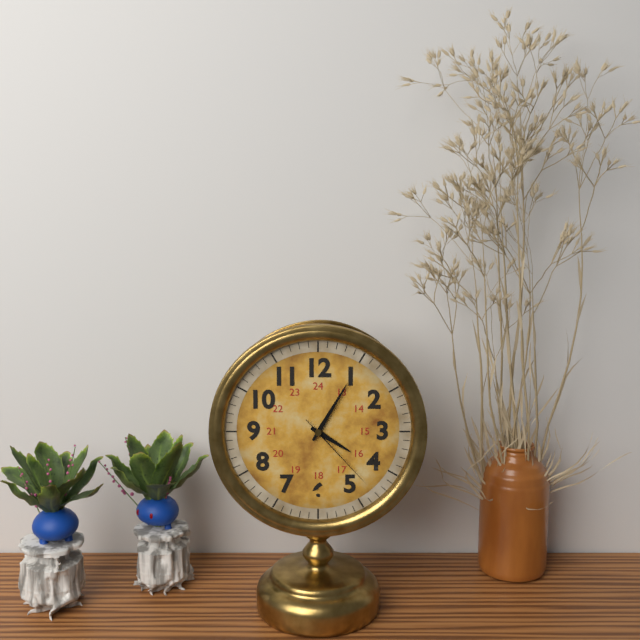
4h05m23s
